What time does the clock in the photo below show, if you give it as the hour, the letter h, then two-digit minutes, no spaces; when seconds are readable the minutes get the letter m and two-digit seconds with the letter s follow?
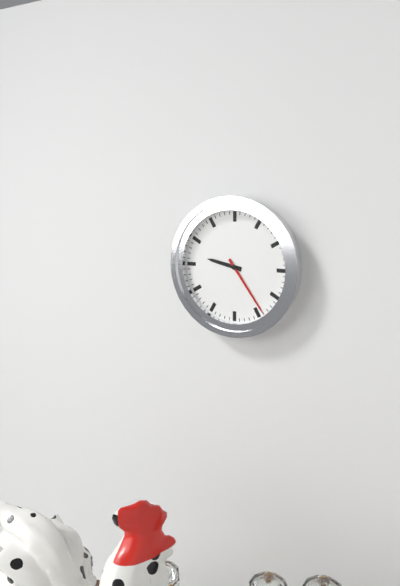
9h24
